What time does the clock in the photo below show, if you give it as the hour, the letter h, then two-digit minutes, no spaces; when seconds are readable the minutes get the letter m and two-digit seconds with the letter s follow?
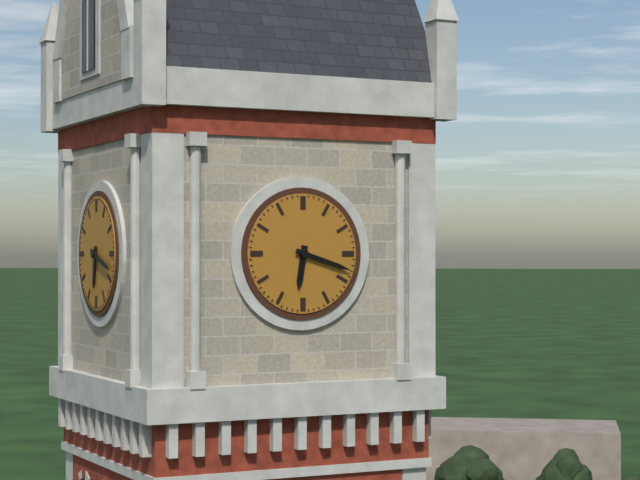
6h18
